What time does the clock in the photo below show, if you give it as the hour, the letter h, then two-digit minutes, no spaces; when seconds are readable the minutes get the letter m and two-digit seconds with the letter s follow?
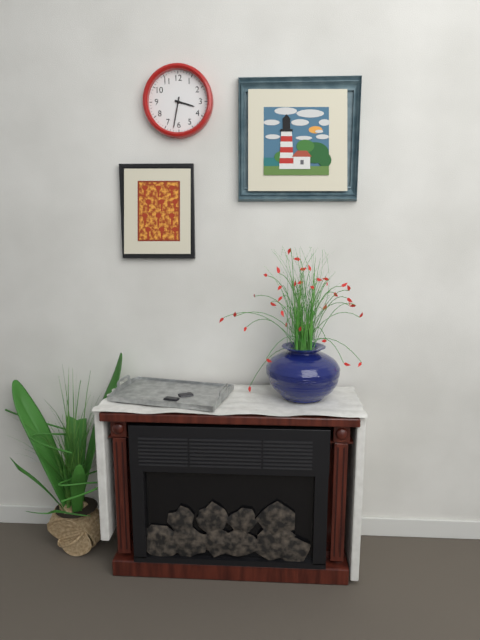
3h32
